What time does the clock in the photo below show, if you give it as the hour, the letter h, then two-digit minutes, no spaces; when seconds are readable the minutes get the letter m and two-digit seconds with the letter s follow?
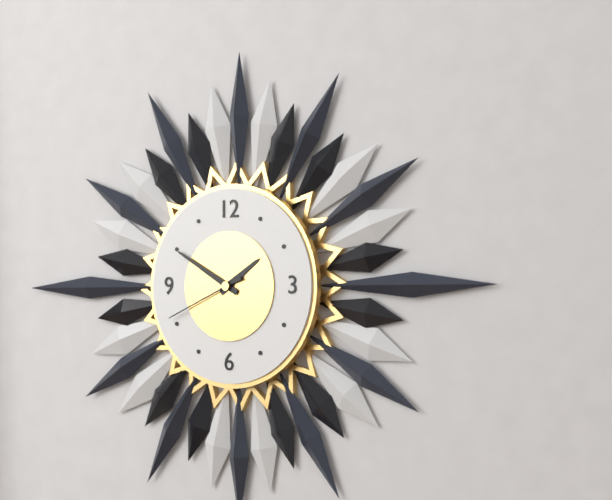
1h50m41s
